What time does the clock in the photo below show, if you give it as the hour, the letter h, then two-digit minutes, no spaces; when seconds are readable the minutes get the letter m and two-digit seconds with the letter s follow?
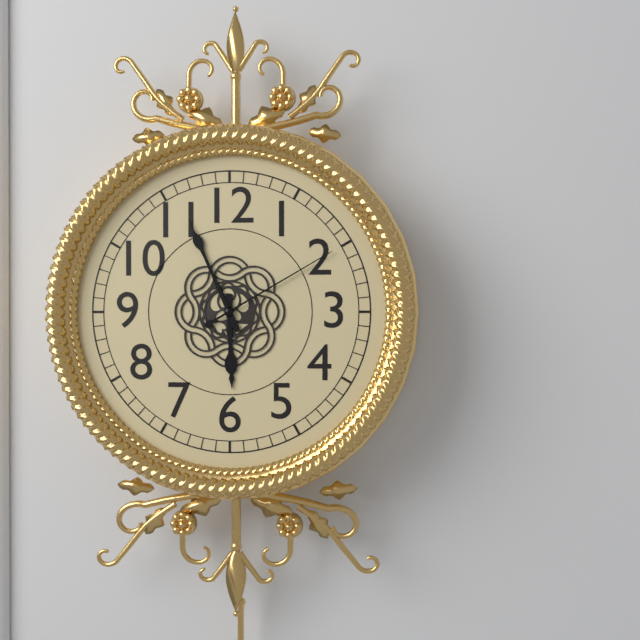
5h56m10s
